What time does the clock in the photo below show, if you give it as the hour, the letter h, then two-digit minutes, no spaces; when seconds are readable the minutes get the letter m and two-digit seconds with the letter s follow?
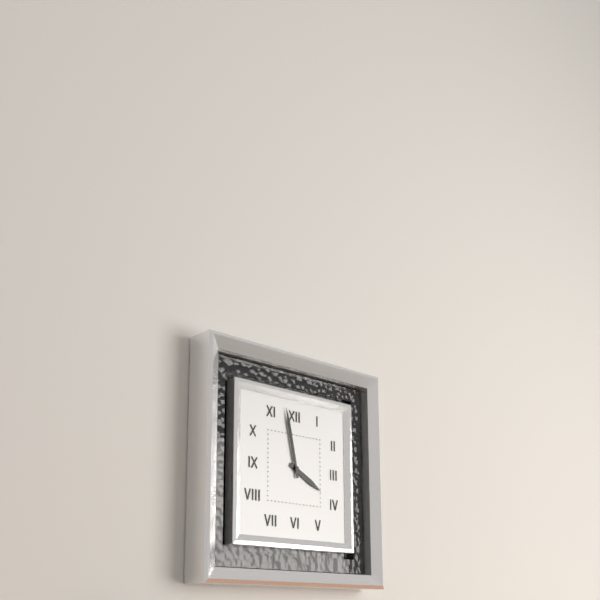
3h58
